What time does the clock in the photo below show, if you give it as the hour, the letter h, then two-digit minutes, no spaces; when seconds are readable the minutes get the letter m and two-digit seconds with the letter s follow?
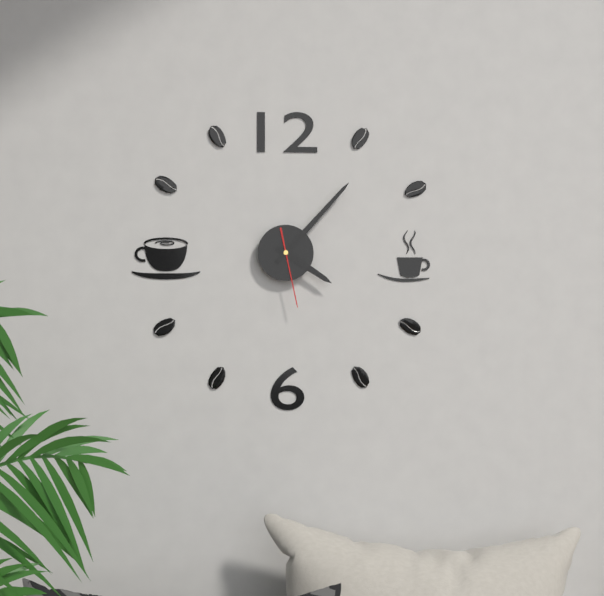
4h07m28s
